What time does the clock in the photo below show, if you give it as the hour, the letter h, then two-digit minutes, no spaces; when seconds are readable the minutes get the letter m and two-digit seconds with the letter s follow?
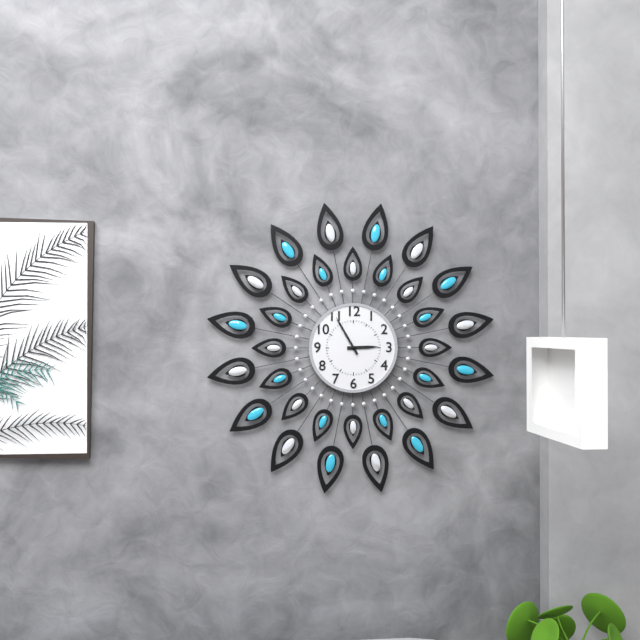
2h55
